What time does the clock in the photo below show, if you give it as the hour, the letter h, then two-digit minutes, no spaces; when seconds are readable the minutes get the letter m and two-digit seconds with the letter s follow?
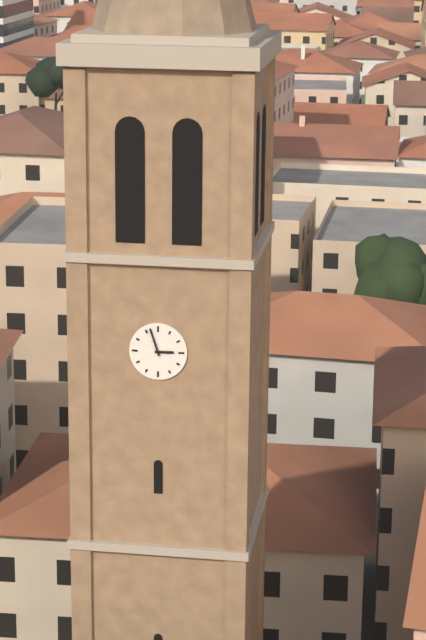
2h57
